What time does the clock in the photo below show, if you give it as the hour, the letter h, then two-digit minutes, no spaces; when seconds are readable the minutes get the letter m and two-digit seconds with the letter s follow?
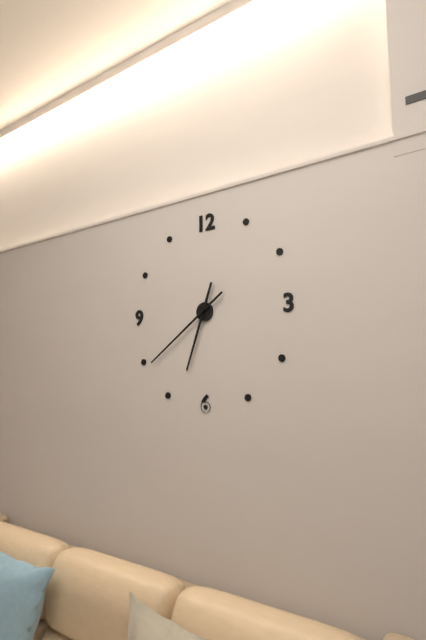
6h39
